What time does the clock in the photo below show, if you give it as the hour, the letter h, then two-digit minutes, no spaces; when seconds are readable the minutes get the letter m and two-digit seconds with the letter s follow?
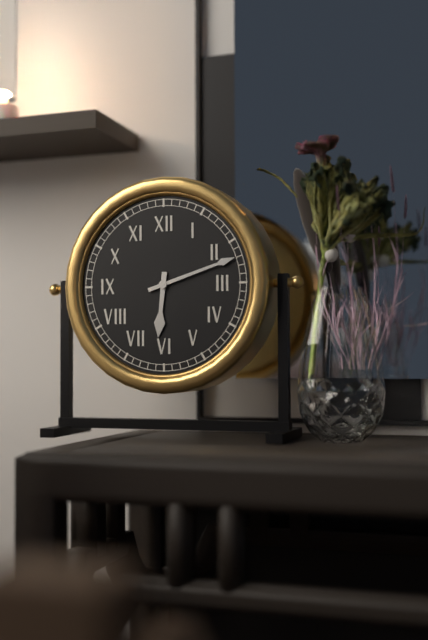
6h12
